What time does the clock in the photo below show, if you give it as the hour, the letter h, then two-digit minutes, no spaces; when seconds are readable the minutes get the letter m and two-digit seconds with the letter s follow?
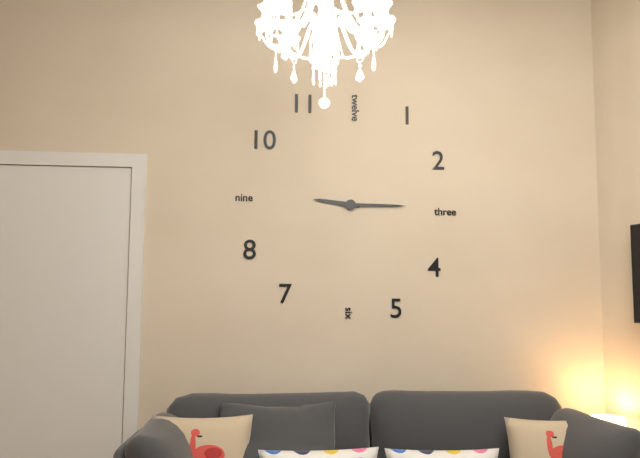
9h15
